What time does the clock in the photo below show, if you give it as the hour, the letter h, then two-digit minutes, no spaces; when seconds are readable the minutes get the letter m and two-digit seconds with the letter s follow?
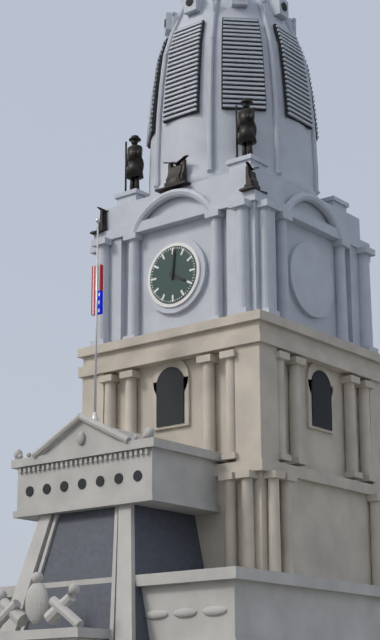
4h01
